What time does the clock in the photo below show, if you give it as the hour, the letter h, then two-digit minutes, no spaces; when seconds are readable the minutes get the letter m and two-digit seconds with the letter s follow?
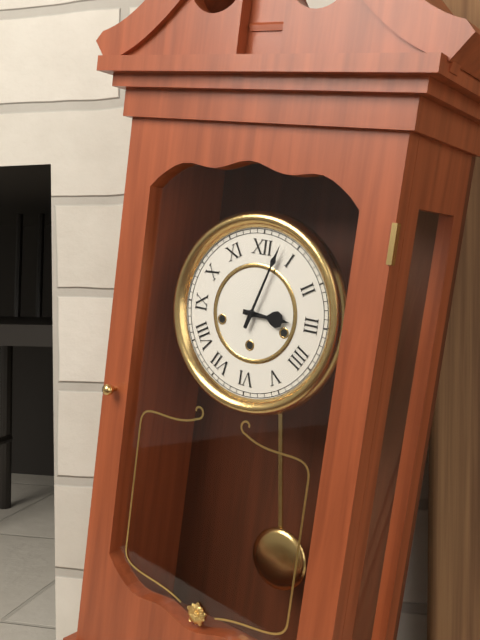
3h03
